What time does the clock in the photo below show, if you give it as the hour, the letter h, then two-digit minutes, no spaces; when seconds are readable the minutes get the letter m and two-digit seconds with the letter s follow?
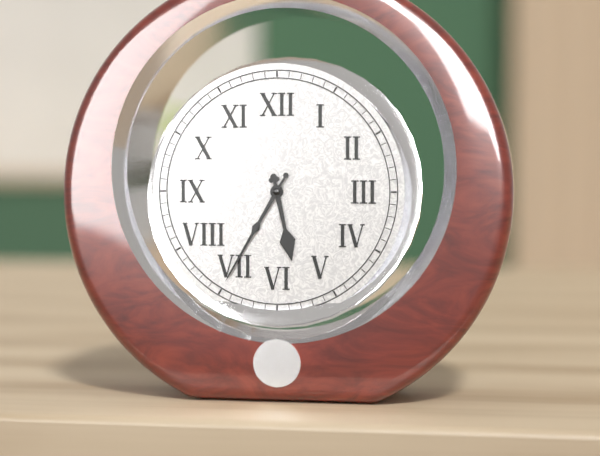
5h35
